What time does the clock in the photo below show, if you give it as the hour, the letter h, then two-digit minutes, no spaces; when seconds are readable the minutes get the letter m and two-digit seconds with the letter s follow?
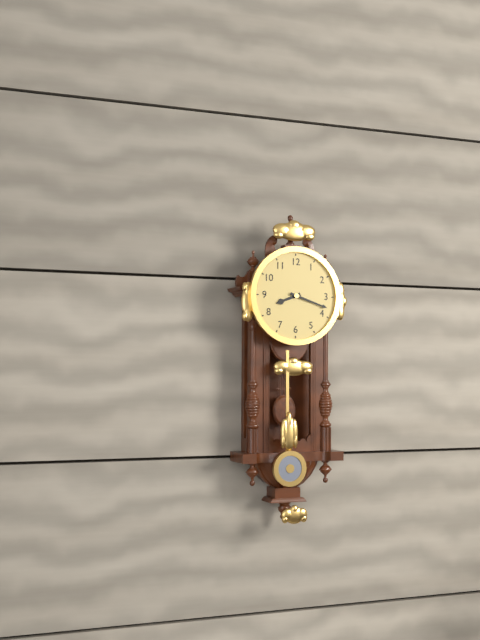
8h18
